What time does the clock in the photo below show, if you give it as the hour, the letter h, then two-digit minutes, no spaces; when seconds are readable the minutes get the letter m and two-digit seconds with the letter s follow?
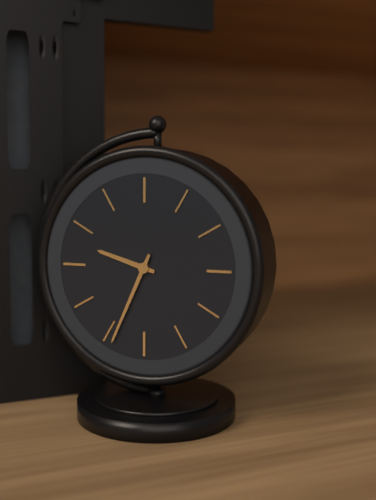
9h34
